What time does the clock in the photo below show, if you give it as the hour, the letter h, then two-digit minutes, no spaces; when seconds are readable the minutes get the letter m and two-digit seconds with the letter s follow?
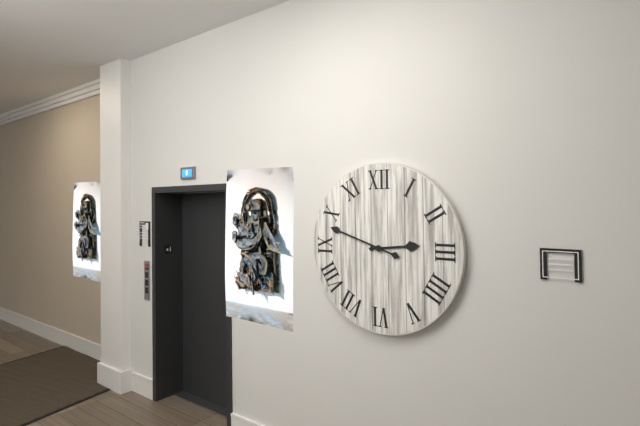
2h48
